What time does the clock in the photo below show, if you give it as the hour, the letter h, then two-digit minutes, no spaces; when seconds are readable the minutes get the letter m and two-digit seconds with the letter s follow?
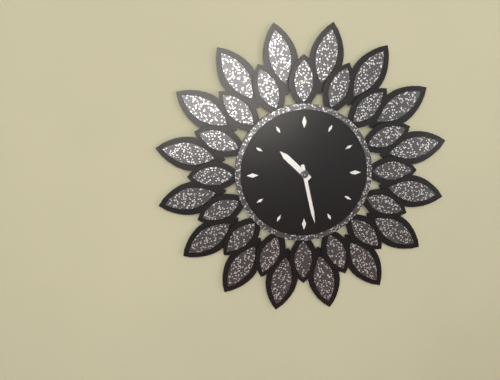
10h28
